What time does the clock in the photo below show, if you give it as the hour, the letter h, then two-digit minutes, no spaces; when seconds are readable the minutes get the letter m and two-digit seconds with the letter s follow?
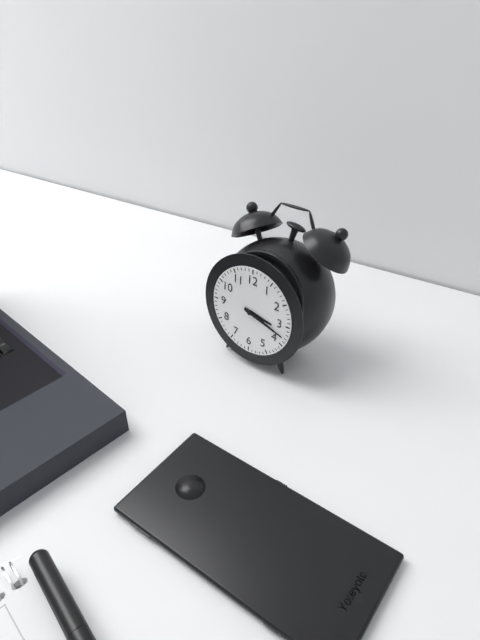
3h18
